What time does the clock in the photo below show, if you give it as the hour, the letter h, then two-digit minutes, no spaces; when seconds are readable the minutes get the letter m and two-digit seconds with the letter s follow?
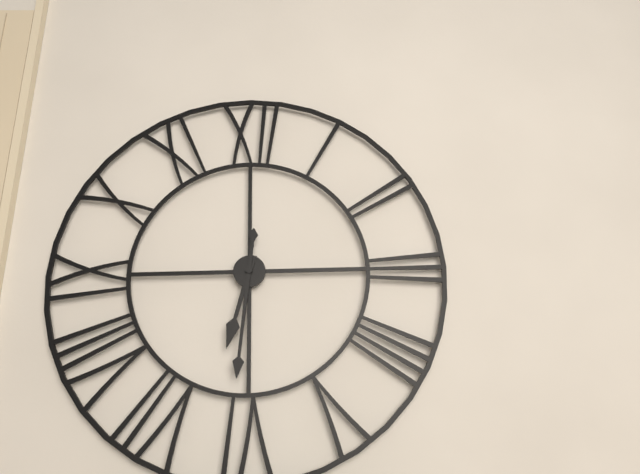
6h31
